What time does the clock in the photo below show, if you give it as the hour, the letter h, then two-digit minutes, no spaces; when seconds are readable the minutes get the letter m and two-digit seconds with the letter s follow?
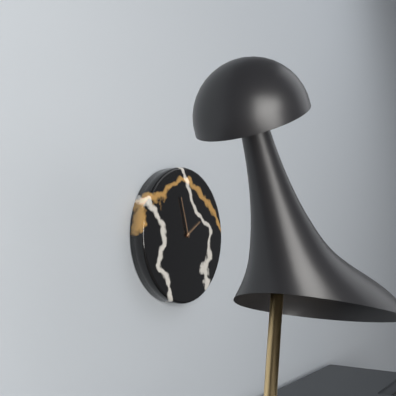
1h57
